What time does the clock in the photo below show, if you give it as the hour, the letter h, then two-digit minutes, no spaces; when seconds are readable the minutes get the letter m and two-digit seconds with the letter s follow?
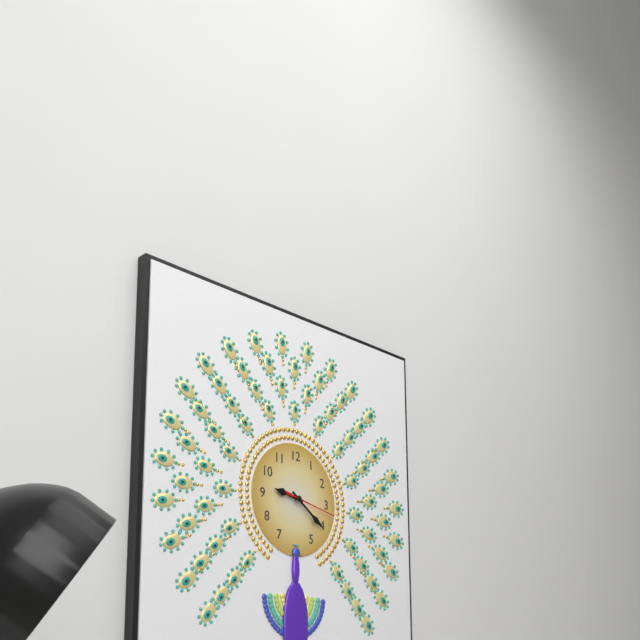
9h21
